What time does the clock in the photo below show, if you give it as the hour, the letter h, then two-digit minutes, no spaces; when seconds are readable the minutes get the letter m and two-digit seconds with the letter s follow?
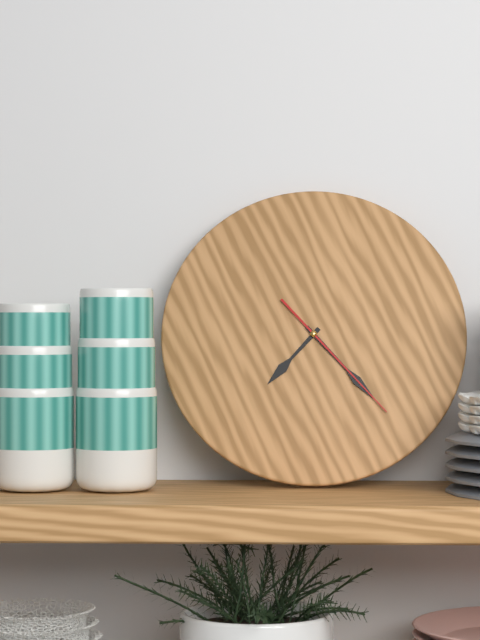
7h23m23s
